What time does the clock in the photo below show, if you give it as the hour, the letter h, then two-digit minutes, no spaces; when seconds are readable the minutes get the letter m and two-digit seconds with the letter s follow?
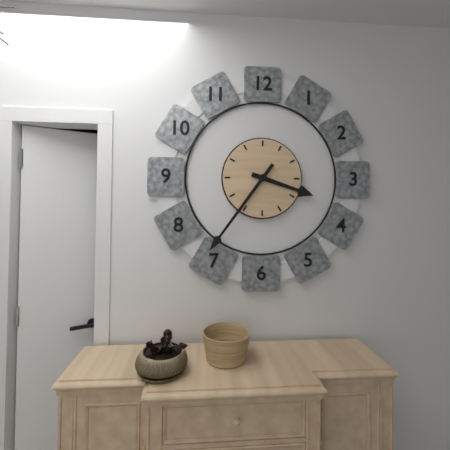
3h36
